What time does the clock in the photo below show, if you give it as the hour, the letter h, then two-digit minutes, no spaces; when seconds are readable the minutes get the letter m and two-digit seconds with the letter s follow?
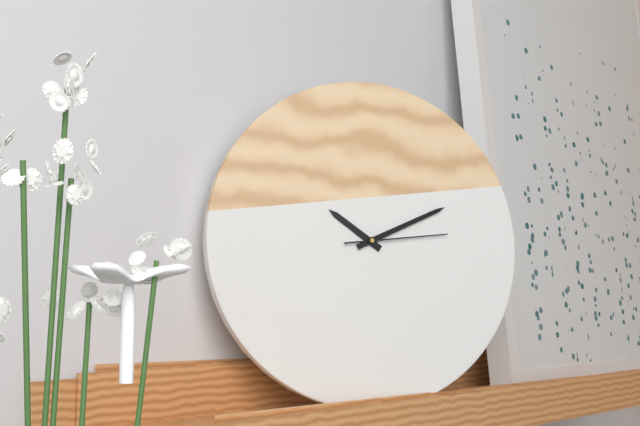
10h11m14s
